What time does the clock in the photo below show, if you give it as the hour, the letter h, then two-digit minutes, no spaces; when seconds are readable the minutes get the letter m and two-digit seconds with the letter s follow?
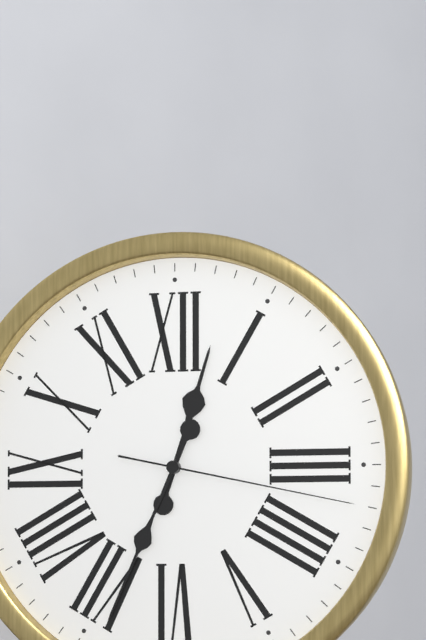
12h34m17s
